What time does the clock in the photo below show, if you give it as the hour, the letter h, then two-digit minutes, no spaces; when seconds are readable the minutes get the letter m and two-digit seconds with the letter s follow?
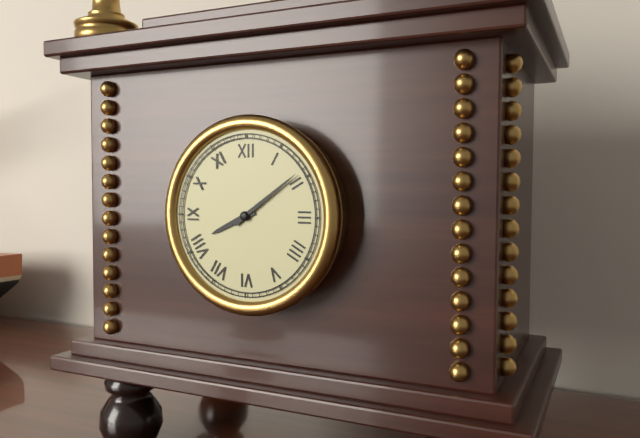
8h09
